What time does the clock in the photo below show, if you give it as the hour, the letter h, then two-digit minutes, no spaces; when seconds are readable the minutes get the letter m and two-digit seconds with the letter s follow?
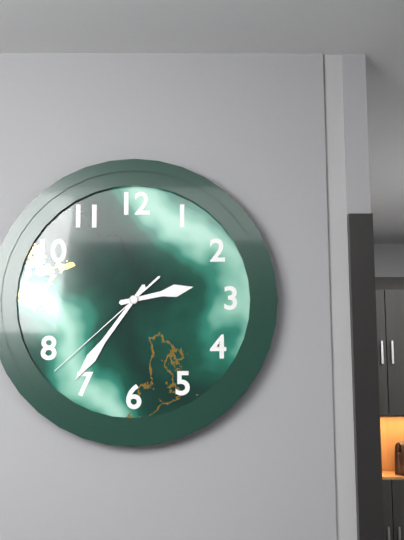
2h36m38s
